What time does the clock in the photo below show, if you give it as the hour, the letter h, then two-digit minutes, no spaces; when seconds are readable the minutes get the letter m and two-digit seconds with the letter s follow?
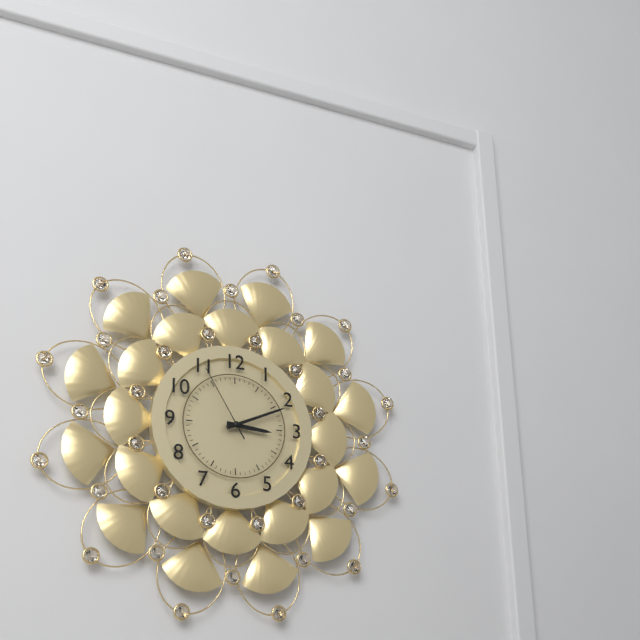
3h11m55s
